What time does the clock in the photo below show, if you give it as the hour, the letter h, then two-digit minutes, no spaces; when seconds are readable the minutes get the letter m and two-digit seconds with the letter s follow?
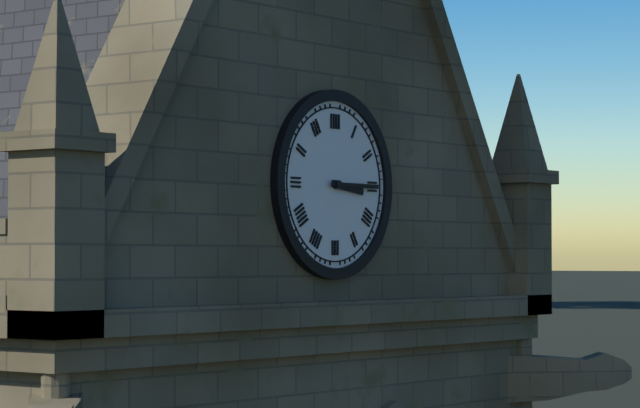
3h15
